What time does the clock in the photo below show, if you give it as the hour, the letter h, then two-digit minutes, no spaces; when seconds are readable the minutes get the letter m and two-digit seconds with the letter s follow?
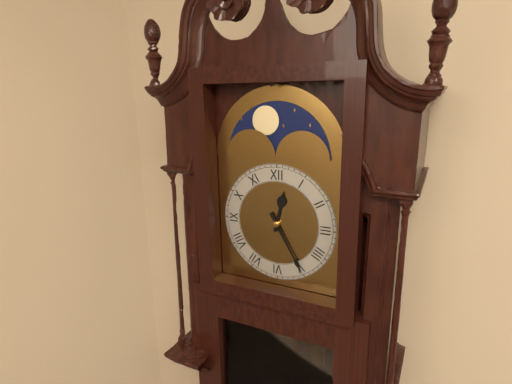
12h25
